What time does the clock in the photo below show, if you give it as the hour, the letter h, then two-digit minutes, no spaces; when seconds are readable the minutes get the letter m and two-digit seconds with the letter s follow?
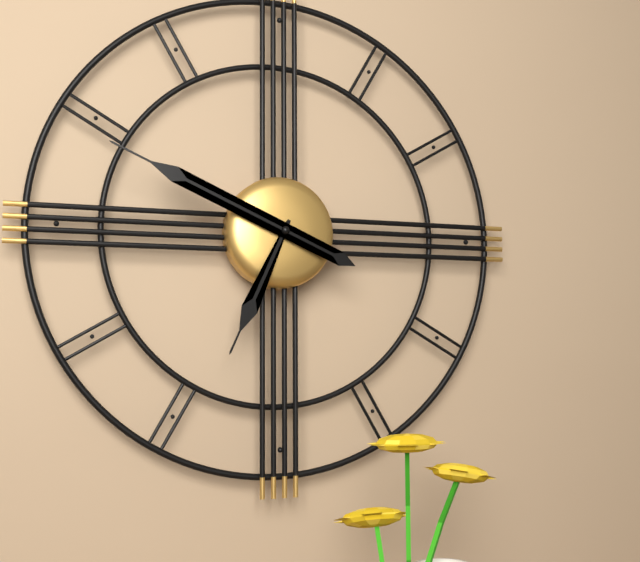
6h49
